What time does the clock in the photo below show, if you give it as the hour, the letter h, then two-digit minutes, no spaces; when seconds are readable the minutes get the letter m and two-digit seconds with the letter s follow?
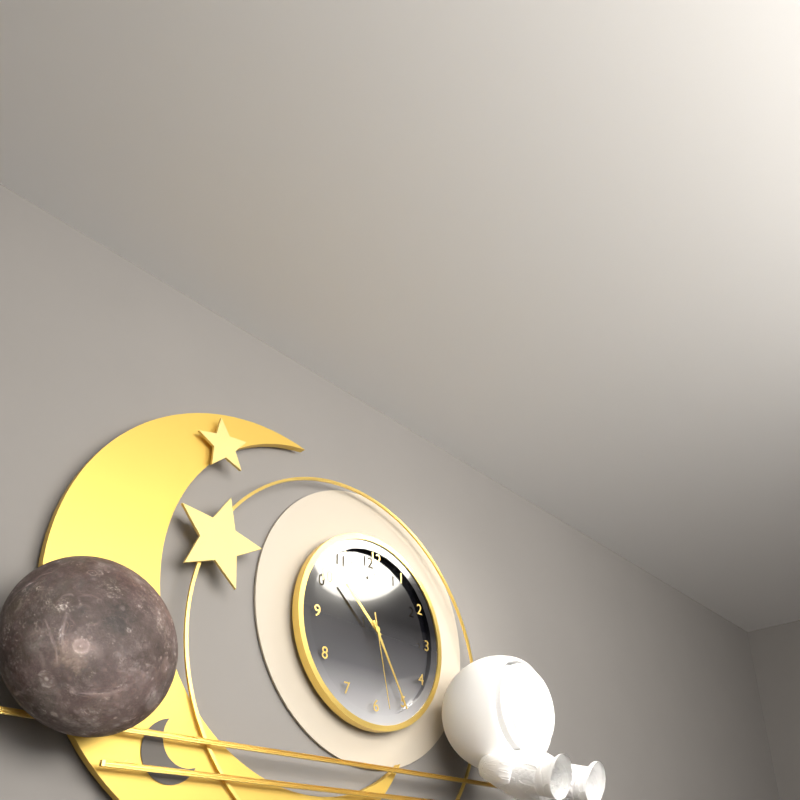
10h25m28s
